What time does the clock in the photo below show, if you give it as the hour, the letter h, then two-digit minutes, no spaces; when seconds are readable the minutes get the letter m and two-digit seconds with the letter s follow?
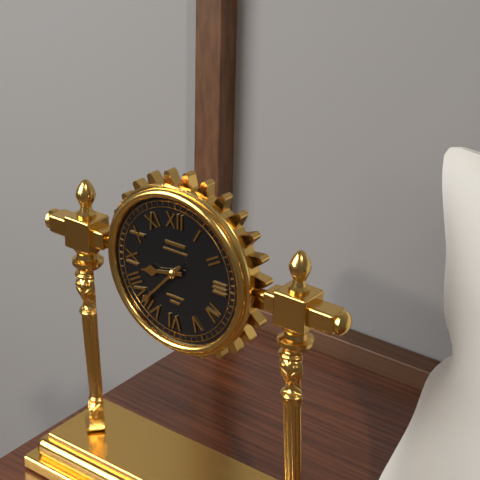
8h37
